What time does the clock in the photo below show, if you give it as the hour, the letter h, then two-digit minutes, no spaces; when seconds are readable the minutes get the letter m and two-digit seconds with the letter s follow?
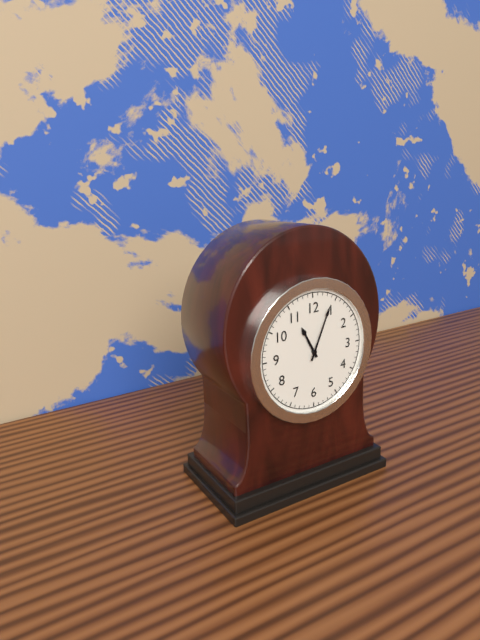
11h04
